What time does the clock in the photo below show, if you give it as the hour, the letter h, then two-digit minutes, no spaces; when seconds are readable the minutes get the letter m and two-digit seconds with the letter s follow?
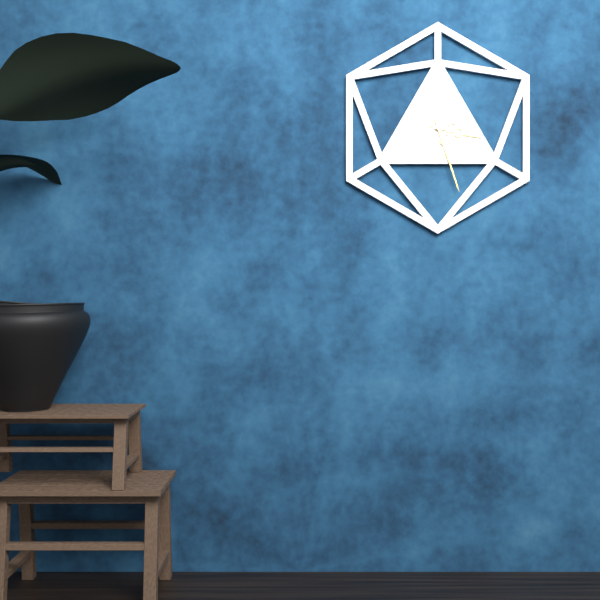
3h27m42s
